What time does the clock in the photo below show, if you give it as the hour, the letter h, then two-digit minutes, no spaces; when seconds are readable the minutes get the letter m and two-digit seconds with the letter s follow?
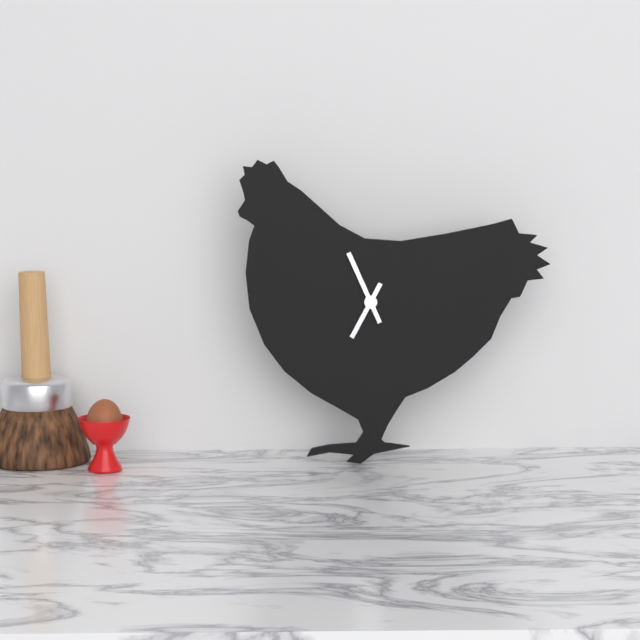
6h56
